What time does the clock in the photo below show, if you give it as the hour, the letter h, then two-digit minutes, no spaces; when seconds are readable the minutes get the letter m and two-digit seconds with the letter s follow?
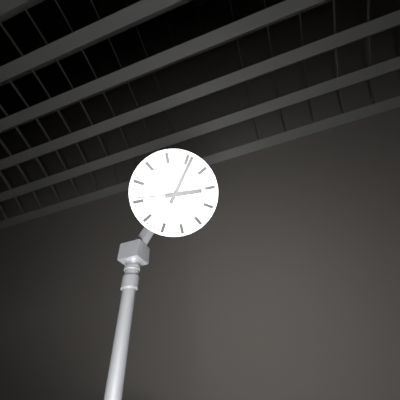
3h06
